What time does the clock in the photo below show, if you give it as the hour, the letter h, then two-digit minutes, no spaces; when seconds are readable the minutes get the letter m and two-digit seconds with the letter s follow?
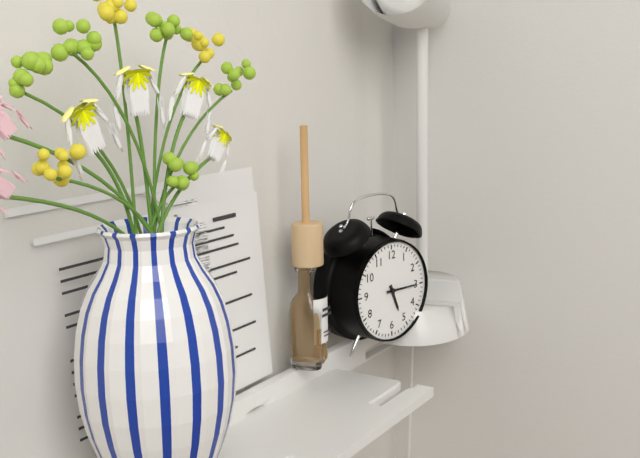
5h15
